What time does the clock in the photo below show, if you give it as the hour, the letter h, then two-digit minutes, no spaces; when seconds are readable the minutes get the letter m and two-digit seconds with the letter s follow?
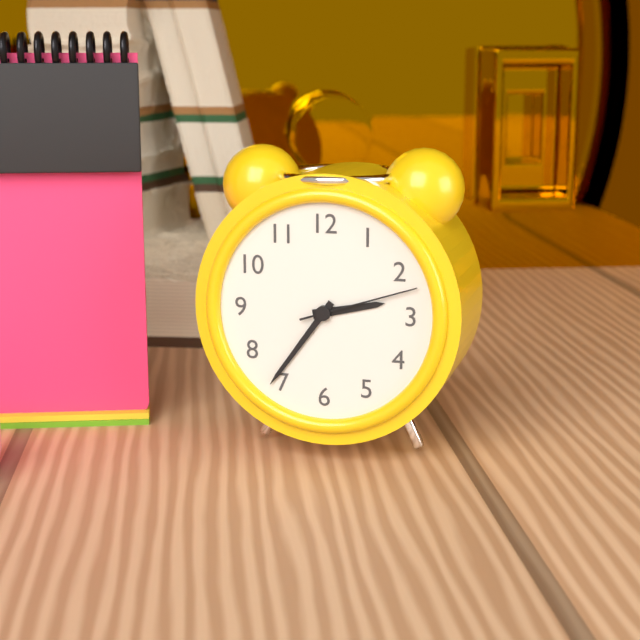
2h36m12s
